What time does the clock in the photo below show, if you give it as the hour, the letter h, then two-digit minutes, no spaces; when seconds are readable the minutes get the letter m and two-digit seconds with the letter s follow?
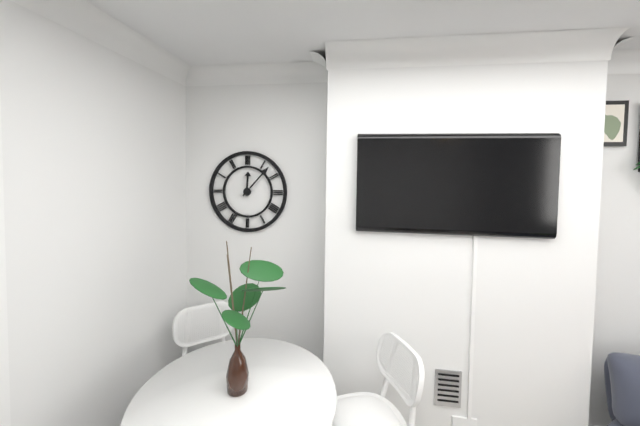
12h07
